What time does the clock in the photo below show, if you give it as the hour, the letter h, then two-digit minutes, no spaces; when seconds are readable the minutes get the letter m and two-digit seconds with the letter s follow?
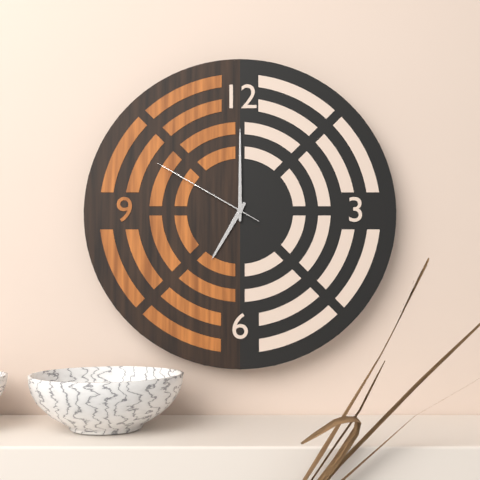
7h00m50s
